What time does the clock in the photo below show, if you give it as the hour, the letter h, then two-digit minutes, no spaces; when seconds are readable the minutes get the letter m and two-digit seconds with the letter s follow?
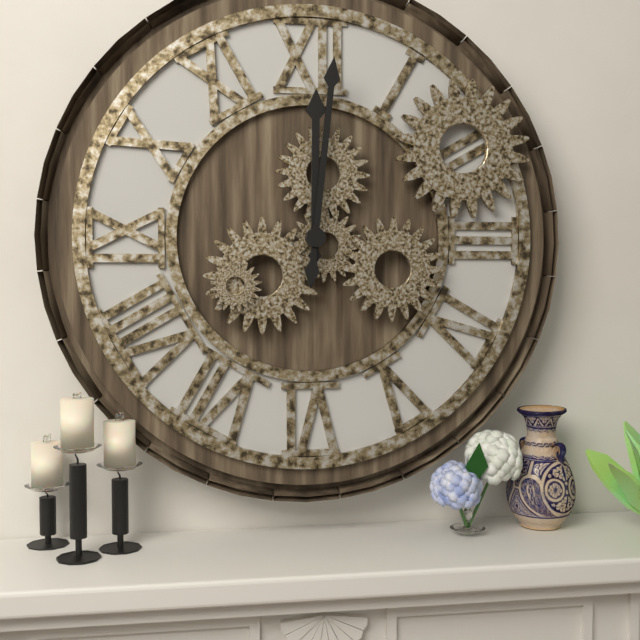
12h01
